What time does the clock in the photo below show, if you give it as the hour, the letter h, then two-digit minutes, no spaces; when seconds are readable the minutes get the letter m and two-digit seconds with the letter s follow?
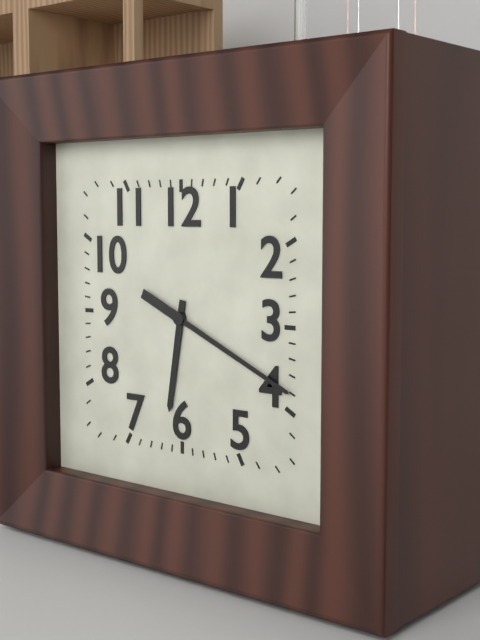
6h19
